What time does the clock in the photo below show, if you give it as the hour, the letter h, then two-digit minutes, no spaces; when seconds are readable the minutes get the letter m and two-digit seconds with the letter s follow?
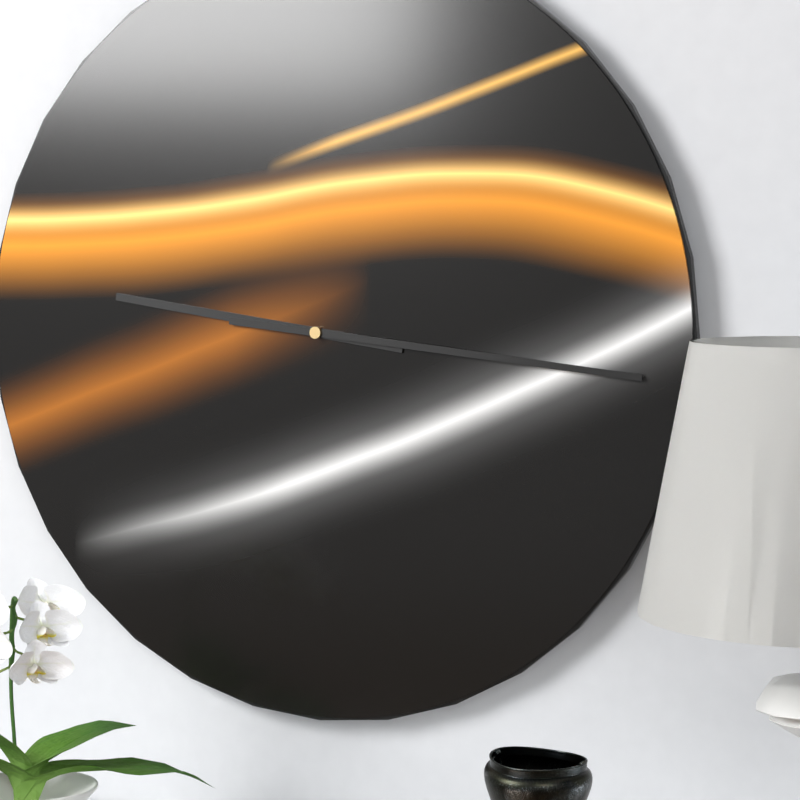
9h16
